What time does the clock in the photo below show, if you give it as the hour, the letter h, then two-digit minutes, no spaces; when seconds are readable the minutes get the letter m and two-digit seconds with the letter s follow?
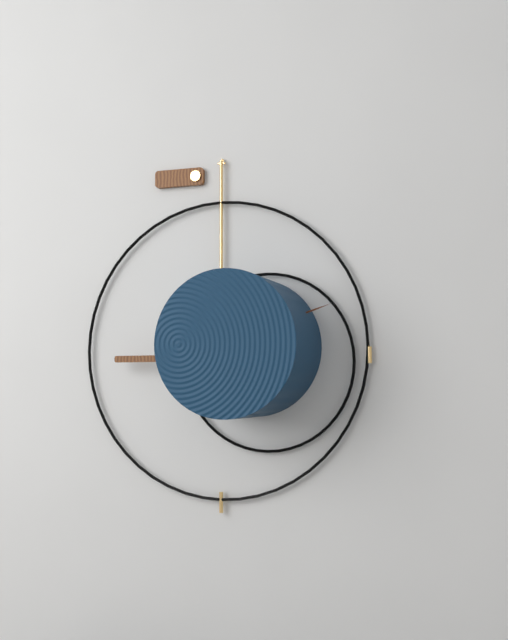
12h12
